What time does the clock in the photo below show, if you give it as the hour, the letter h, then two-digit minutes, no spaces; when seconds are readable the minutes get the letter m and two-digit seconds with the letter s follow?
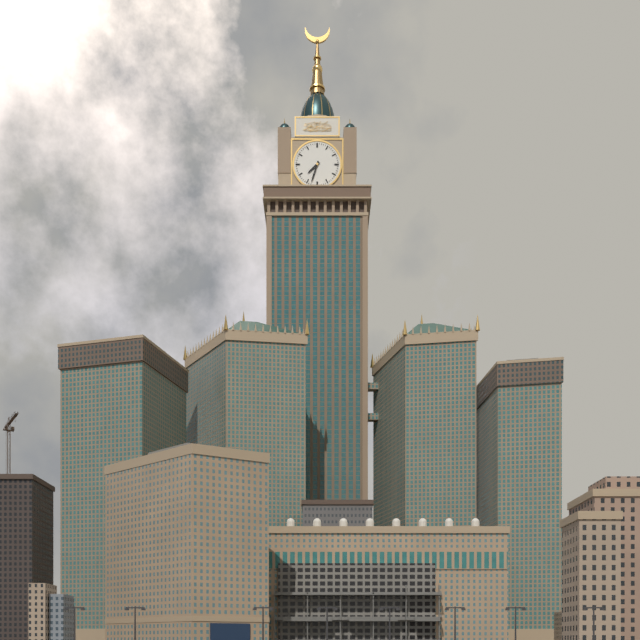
7h33
